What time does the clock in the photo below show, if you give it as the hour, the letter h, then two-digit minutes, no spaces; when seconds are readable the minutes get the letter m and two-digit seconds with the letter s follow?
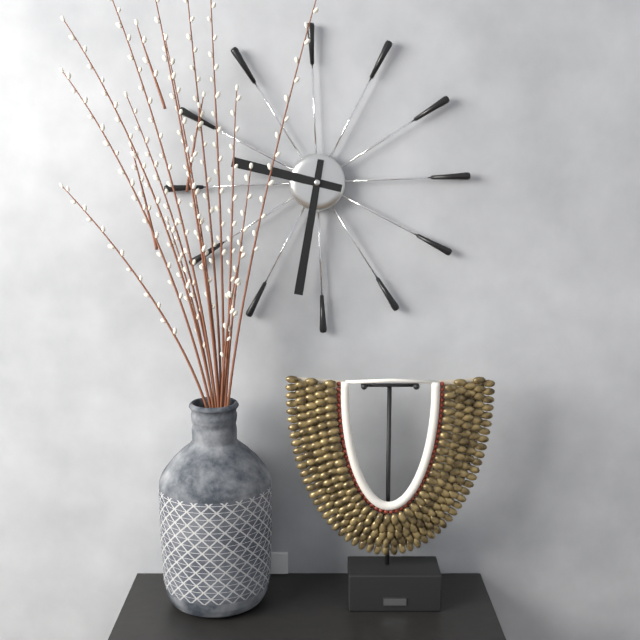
9h32
